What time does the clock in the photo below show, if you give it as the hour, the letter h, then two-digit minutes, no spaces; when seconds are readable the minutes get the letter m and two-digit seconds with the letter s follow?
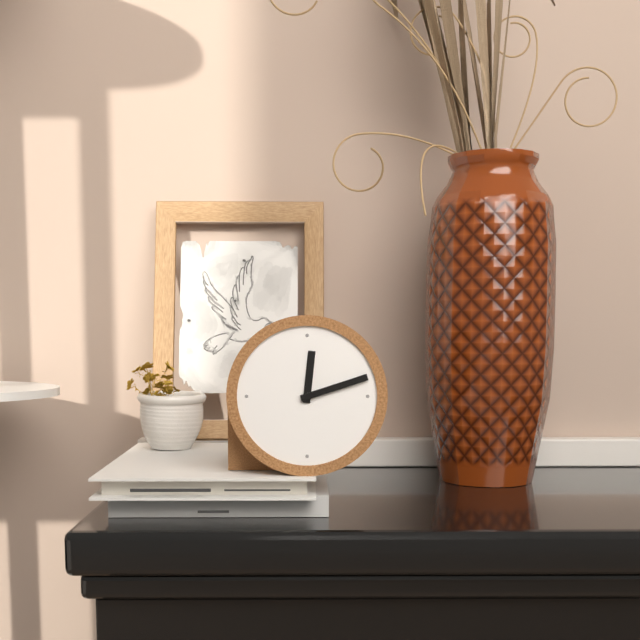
12h12
